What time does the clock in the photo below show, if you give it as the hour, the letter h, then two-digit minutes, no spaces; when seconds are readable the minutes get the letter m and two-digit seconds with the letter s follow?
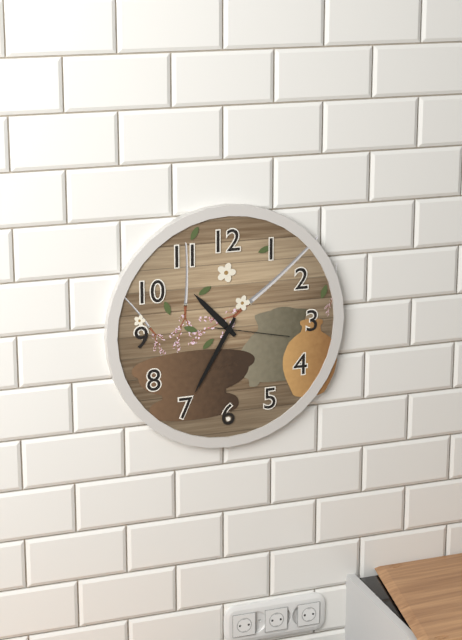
10h35m17s
